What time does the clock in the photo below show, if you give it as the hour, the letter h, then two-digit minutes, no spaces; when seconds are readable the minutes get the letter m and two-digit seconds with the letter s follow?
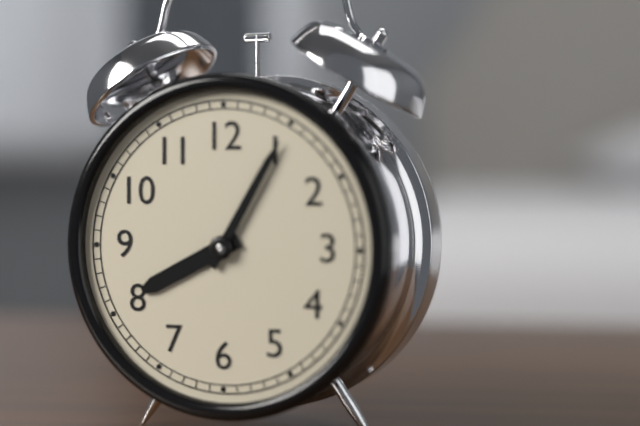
8h05
